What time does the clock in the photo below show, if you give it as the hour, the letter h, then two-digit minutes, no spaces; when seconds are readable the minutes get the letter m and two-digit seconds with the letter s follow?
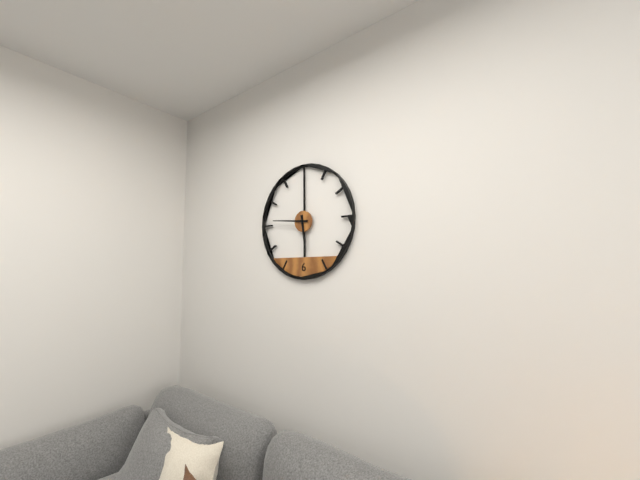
5h46
